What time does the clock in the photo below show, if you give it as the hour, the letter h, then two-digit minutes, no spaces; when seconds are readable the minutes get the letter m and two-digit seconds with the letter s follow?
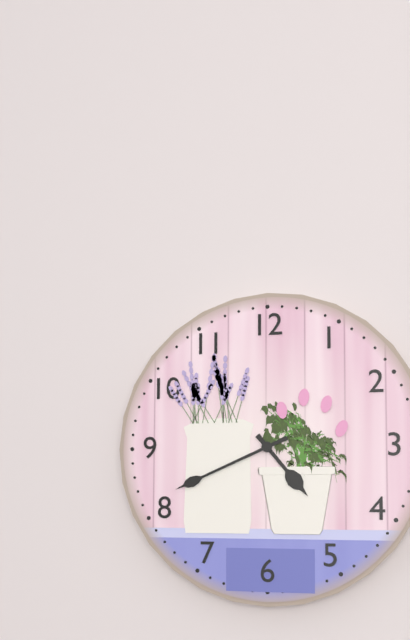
4h41
